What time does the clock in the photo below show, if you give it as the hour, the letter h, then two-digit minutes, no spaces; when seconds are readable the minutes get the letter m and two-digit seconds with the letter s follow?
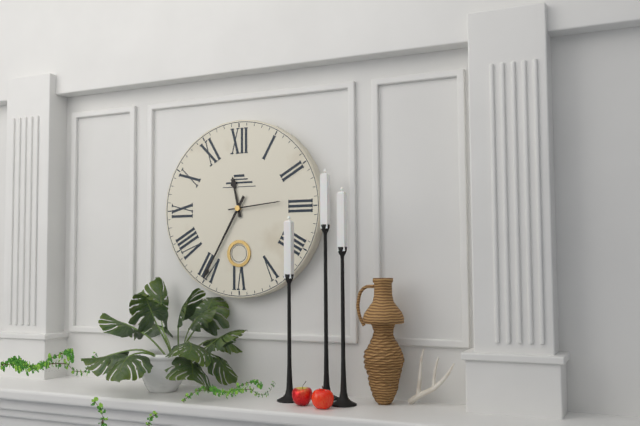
11h35m14s
